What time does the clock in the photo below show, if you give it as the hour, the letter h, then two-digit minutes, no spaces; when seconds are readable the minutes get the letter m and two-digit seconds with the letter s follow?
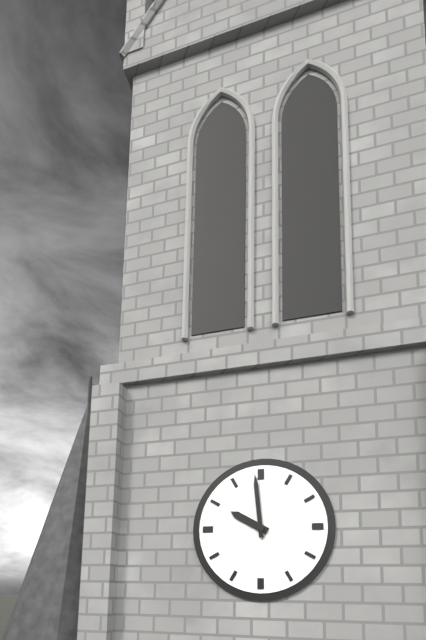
9h59
